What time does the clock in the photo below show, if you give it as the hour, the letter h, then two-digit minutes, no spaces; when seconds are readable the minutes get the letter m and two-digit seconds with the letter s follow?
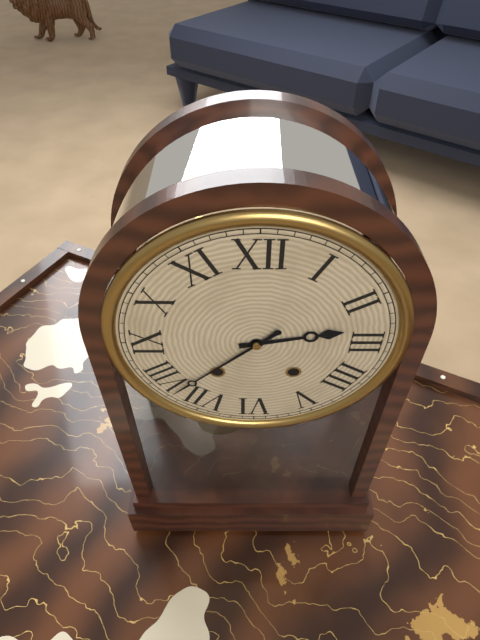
2h38
